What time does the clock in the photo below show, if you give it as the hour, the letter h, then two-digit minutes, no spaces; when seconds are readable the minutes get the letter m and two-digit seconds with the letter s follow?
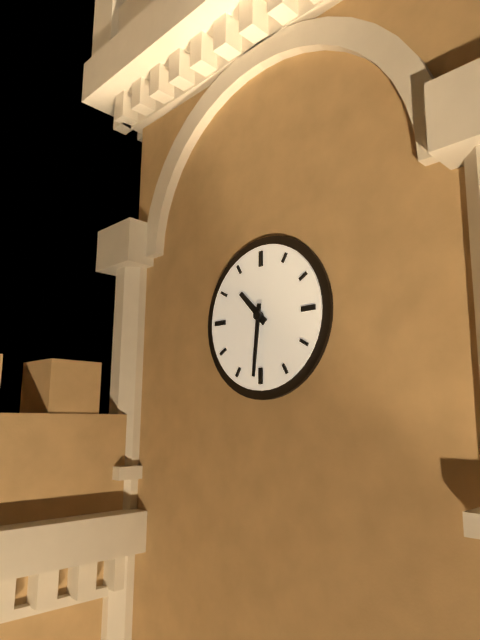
10h31
